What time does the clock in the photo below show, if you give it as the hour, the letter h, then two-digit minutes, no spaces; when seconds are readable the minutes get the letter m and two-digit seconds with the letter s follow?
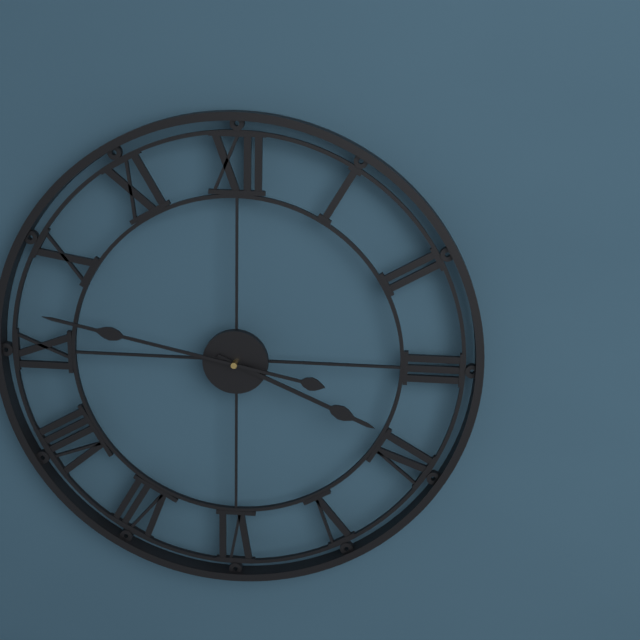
3h47
